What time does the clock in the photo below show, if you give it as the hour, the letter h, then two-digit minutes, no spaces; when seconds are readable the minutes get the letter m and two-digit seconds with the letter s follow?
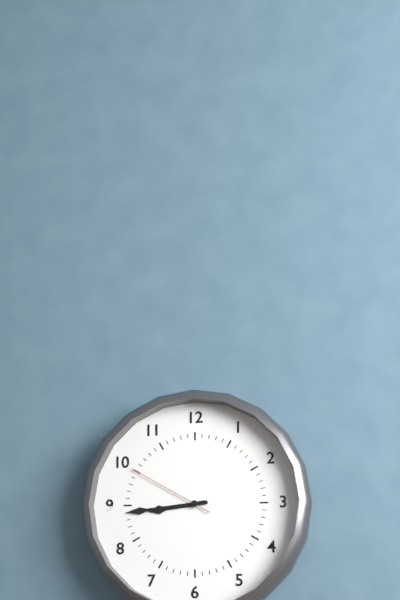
8h44m50s
